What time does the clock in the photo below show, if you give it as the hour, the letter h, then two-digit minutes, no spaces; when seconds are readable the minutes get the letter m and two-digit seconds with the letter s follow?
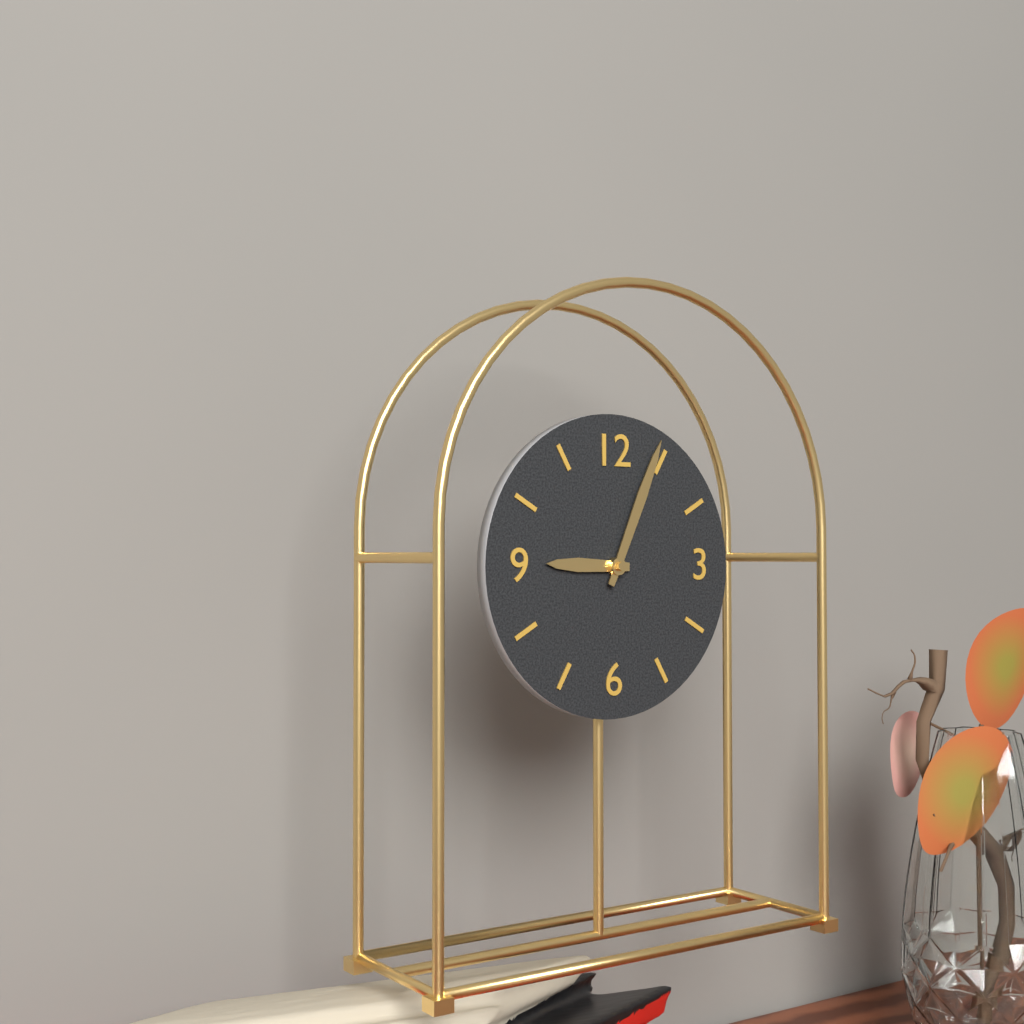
9h04
